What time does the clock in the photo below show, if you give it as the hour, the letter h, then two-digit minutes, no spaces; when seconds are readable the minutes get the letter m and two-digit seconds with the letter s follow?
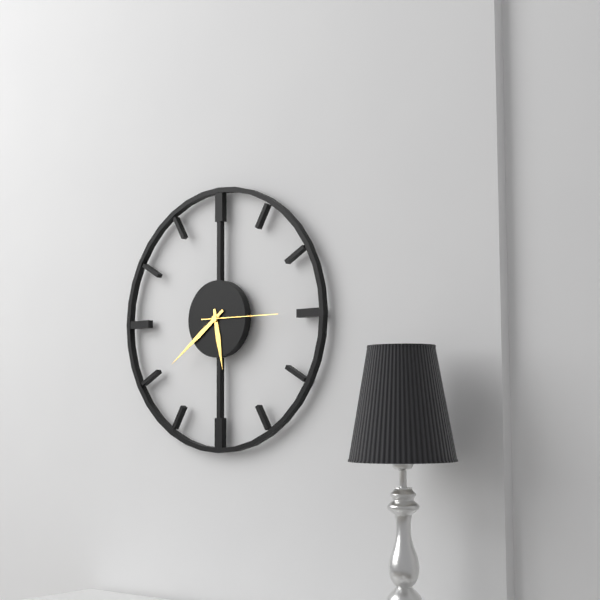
5h39m15s
